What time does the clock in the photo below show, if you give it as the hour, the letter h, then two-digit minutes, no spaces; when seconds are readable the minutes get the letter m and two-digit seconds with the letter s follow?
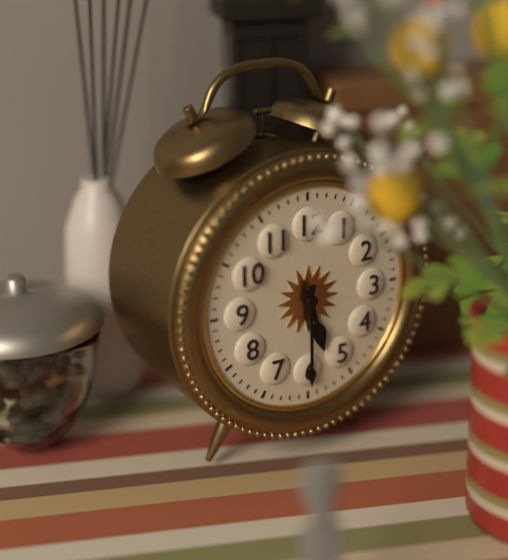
5h30
